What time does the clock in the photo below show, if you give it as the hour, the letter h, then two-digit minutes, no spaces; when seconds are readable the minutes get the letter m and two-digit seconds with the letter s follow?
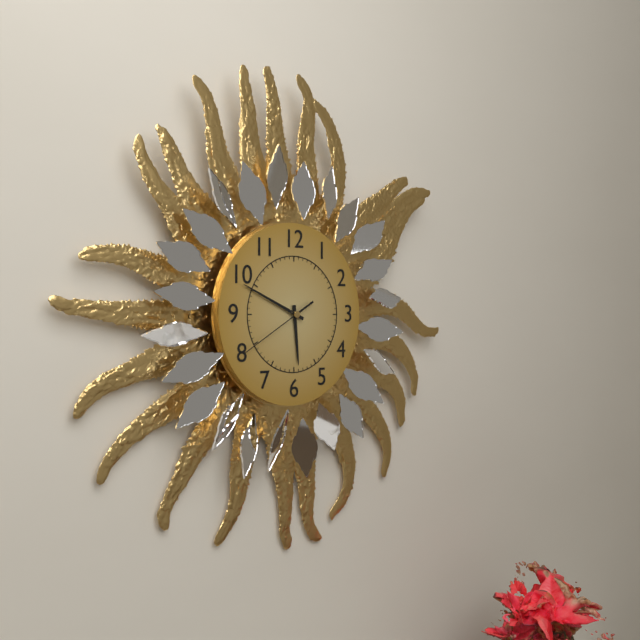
5h49m40s
